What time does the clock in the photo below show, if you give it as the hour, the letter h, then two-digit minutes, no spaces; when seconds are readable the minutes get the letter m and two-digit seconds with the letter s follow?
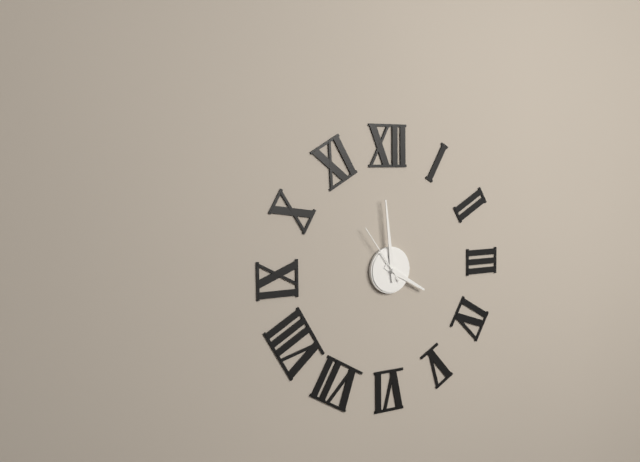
3h59m54s
